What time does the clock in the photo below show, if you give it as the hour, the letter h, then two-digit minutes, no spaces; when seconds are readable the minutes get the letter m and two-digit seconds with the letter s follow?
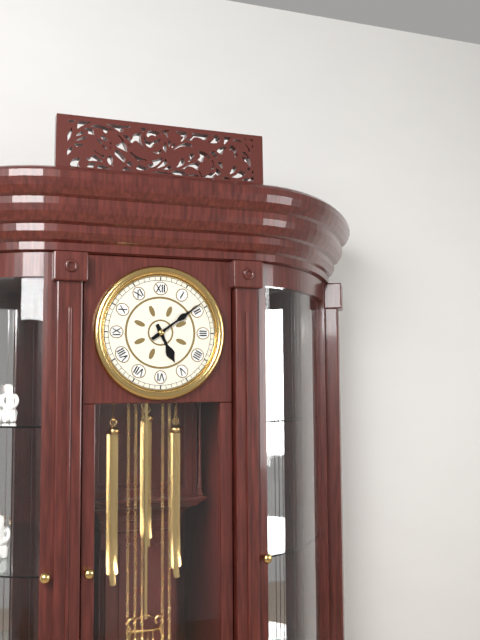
5h09
